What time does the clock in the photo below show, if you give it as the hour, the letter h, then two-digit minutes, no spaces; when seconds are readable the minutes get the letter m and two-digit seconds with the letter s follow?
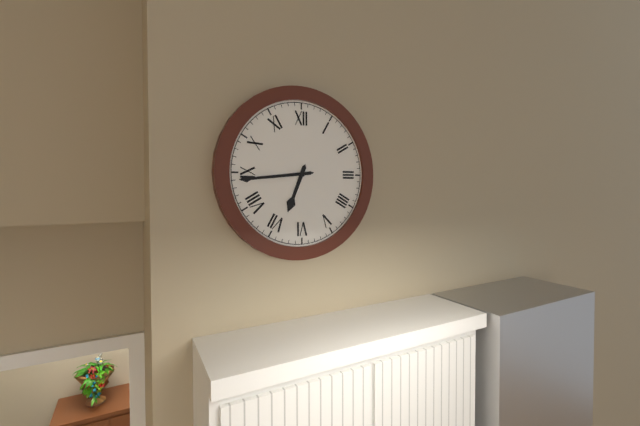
6h44
